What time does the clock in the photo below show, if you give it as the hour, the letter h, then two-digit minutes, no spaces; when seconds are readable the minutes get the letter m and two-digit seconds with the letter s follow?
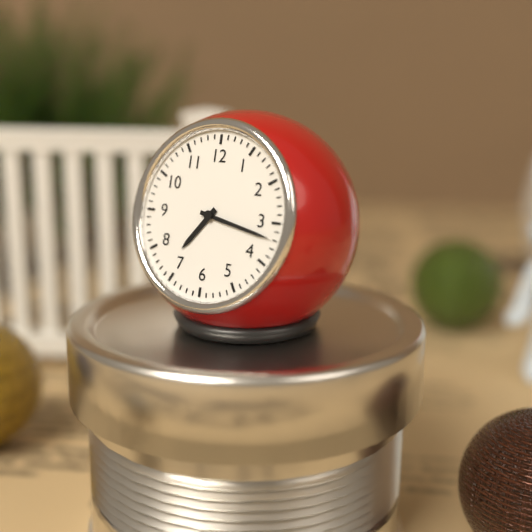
7h17
